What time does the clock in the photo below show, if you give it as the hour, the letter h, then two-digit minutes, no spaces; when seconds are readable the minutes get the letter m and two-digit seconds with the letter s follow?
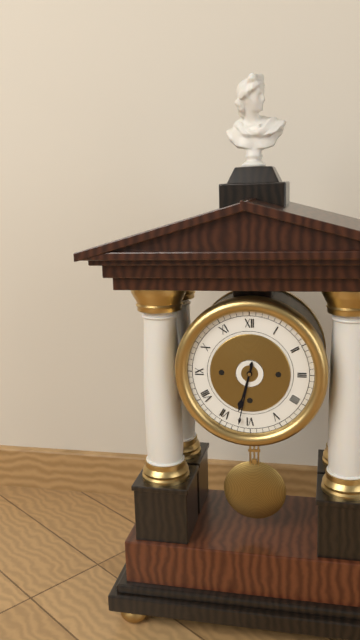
6h32
